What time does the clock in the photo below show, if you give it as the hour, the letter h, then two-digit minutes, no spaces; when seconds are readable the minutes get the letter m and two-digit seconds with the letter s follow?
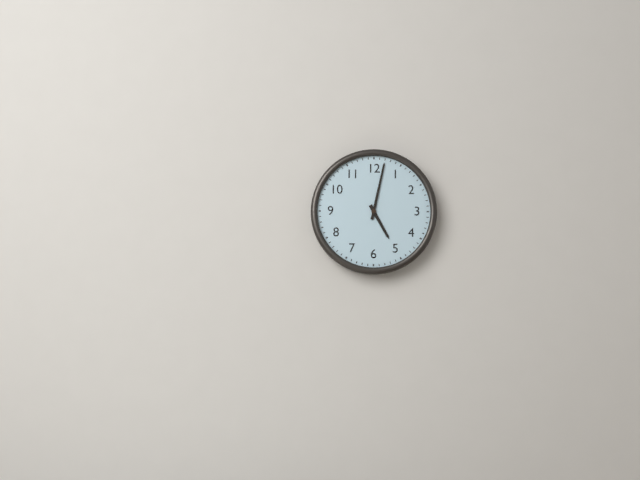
5h02
